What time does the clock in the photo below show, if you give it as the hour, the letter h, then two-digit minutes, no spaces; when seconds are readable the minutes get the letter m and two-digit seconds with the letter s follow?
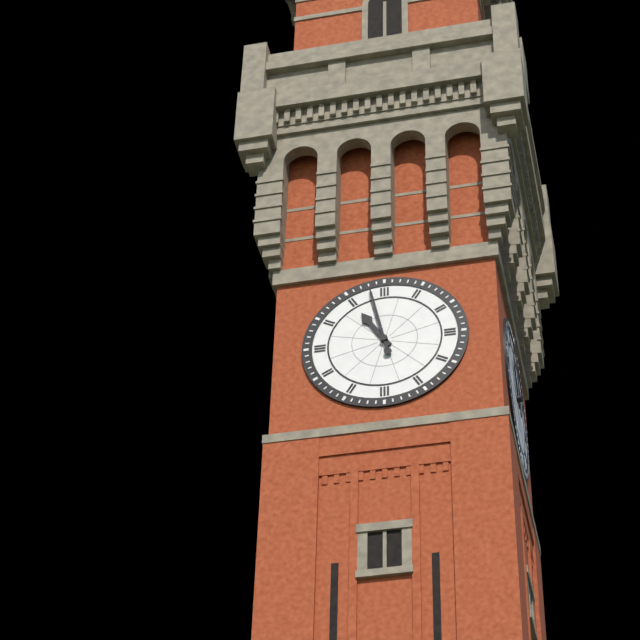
10h58
